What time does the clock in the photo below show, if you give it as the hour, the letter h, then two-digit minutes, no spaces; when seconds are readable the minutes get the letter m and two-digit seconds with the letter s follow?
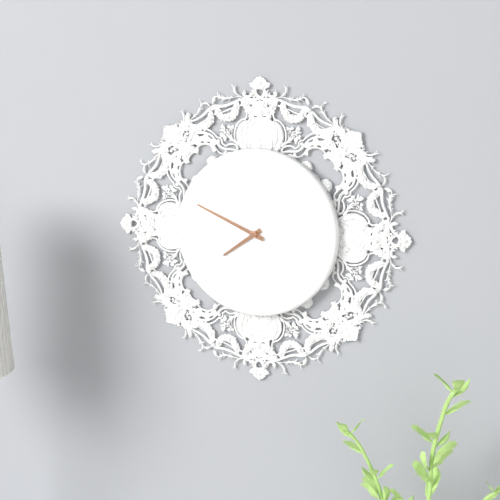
7h49
